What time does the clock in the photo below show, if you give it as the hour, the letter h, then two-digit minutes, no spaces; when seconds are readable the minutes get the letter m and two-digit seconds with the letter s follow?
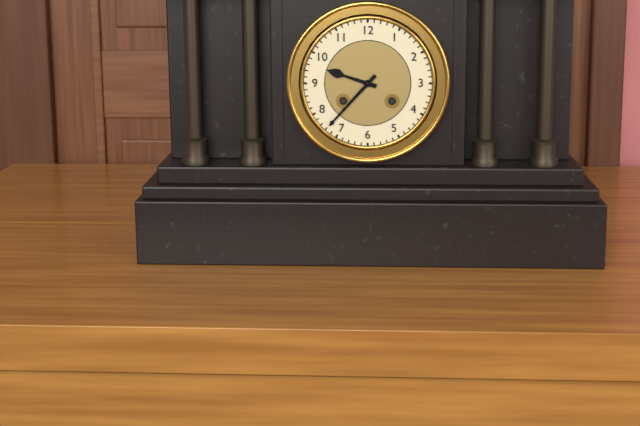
9h37
